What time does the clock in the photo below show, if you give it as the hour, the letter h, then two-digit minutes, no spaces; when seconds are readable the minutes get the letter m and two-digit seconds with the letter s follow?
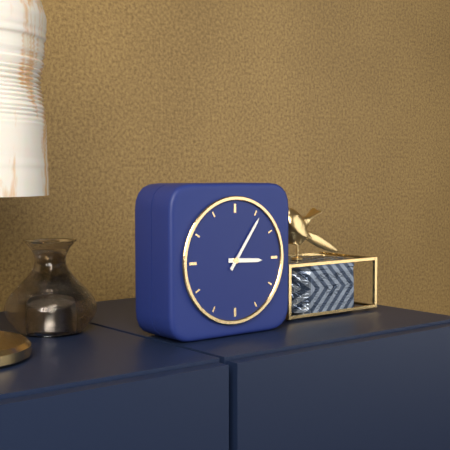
3h06
